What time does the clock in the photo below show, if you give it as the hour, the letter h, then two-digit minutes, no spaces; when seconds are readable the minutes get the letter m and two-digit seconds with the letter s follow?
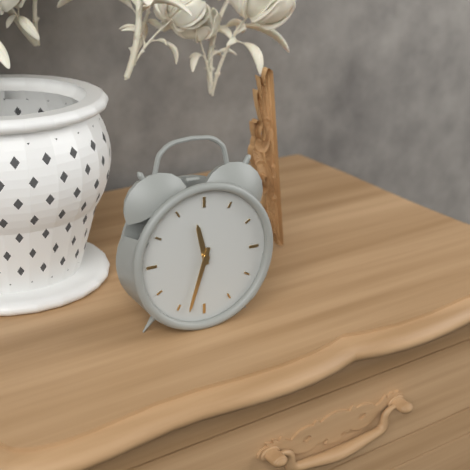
11h33
